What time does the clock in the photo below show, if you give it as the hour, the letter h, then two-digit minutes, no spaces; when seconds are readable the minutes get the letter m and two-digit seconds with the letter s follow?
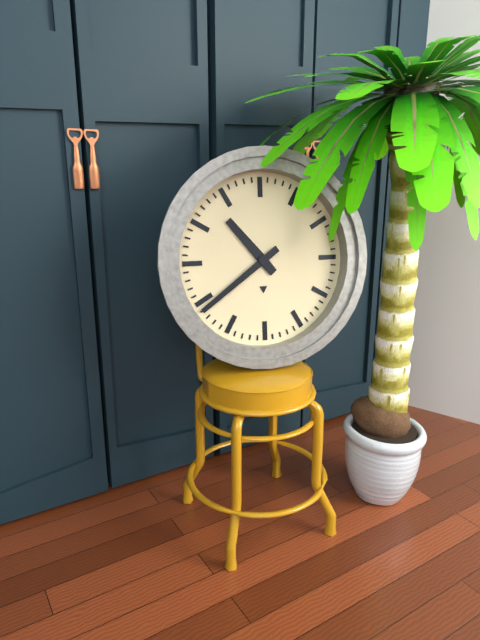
10h39
